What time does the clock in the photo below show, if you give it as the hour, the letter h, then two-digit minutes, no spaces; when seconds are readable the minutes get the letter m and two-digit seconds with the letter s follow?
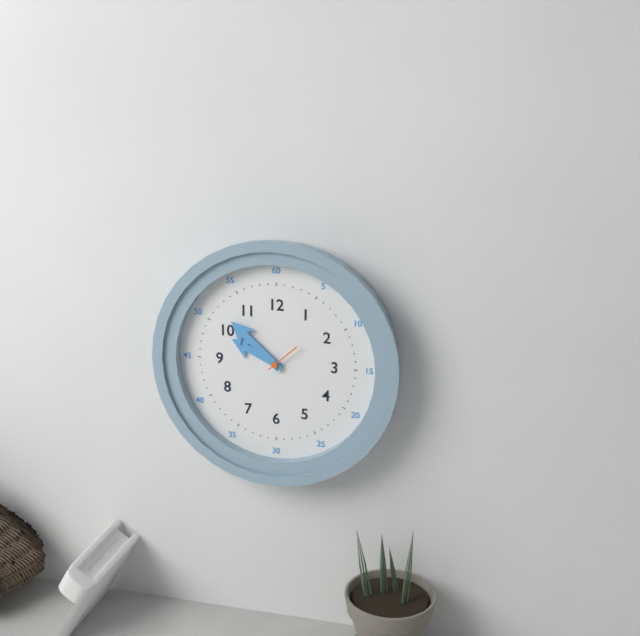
9h52
